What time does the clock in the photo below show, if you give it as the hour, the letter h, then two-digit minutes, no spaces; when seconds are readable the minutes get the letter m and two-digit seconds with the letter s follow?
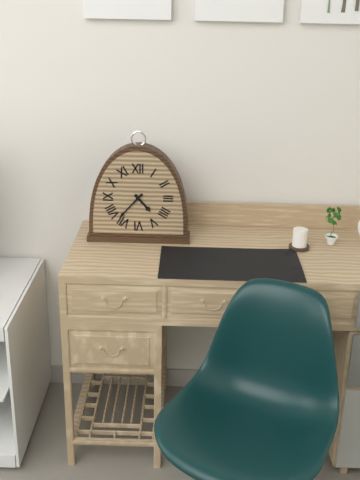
4h37
